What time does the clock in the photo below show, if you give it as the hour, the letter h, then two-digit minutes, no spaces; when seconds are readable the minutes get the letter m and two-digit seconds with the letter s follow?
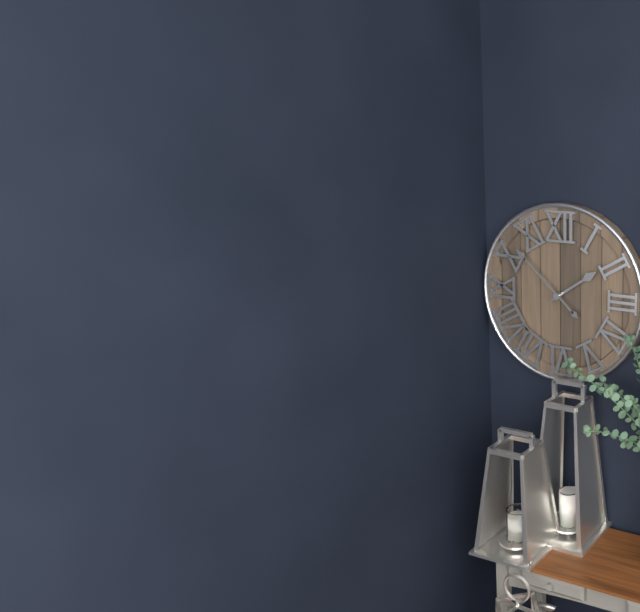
1h52
